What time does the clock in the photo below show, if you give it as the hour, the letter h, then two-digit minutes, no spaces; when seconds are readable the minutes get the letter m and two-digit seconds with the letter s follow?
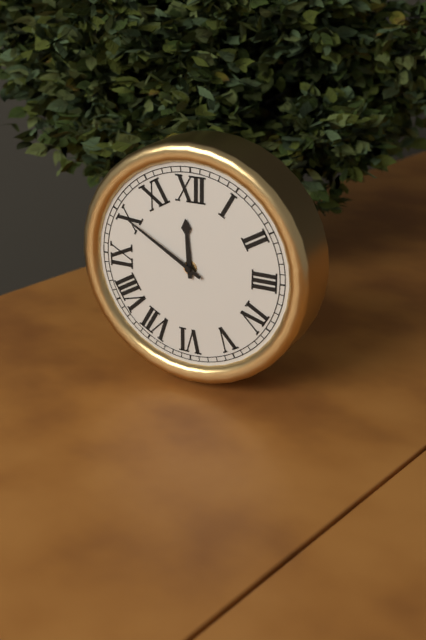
11h50
